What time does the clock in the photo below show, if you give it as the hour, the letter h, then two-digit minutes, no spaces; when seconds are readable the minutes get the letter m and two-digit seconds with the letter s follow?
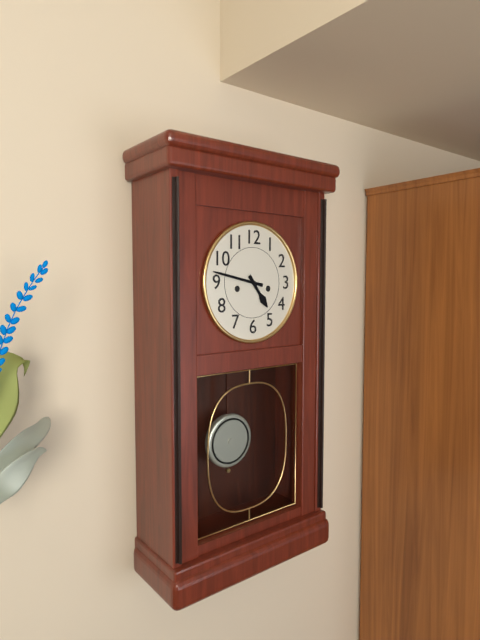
4h47
